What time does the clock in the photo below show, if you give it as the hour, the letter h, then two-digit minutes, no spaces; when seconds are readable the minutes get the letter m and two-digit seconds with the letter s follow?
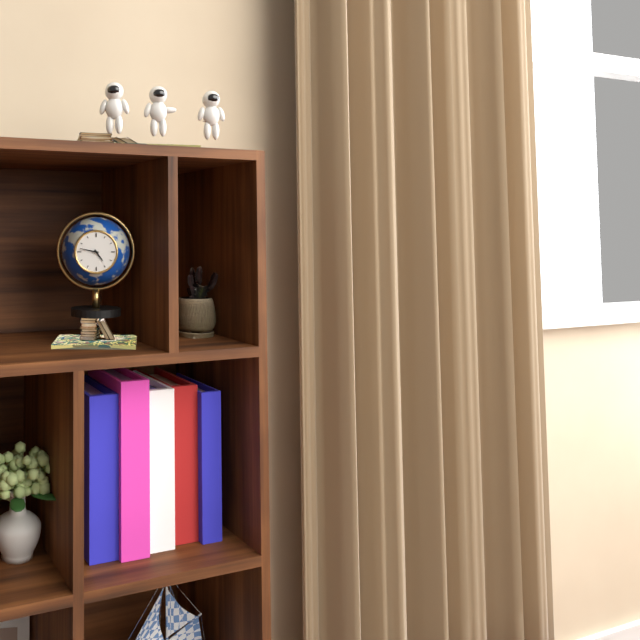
4h47
